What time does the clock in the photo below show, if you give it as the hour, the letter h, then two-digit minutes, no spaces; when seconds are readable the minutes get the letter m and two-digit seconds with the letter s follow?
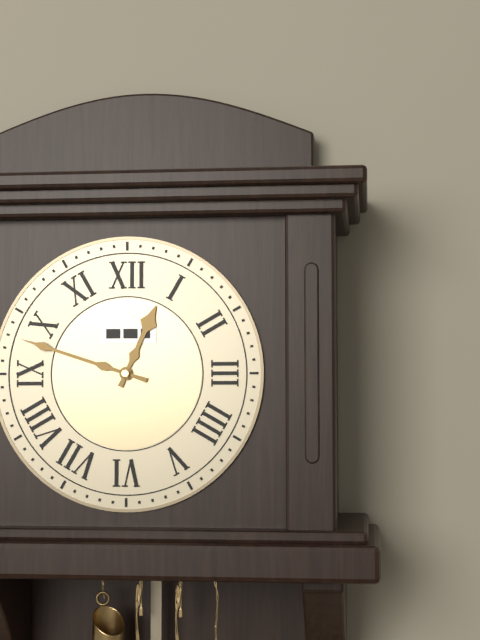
12h48
